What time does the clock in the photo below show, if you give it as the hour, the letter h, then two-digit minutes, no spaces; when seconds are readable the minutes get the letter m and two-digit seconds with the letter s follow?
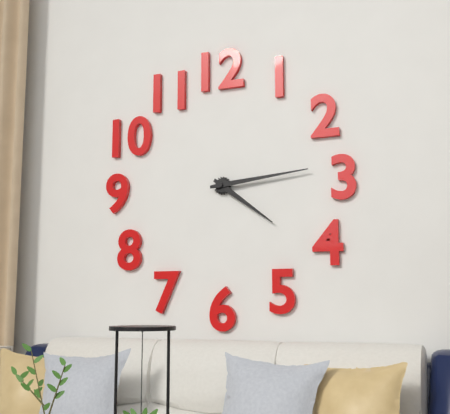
4h14
